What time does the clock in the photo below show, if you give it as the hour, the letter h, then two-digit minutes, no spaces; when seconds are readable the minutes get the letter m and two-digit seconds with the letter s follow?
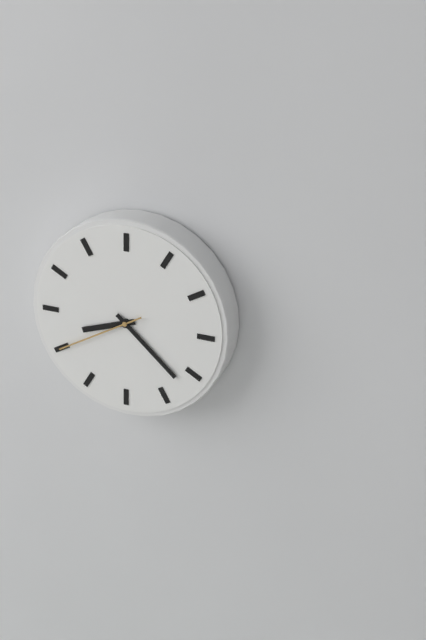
8h22m40s
